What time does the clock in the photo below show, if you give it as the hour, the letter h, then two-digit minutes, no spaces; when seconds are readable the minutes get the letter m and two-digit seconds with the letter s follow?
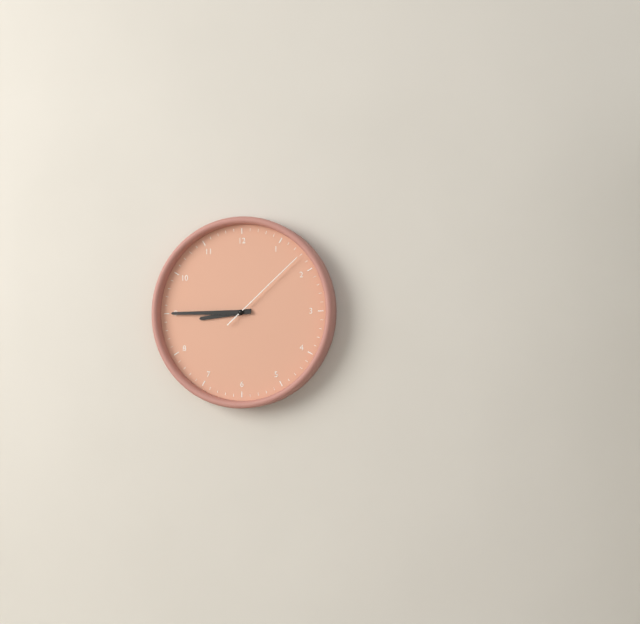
8h45m08s
